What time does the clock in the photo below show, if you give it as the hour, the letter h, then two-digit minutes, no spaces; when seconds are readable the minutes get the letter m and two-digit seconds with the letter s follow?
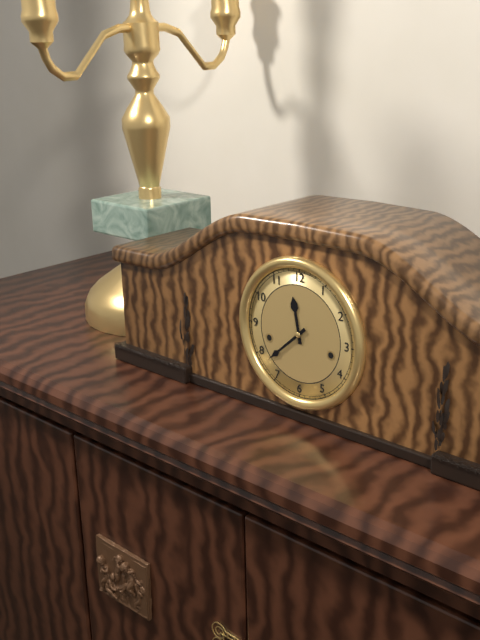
11h38
